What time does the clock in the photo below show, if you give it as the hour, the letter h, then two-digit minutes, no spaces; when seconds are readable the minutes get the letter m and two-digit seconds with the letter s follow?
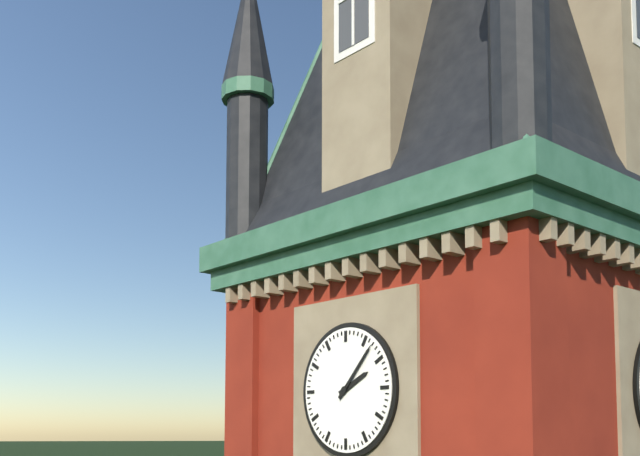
2h07
